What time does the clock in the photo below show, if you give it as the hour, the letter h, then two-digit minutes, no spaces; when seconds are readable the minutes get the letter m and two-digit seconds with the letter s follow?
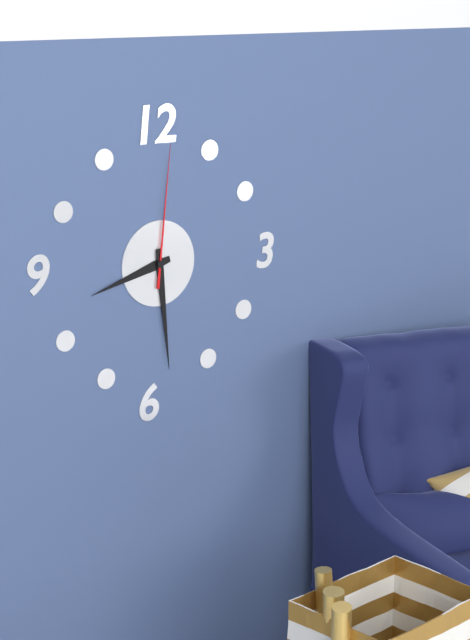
8h29m01s
